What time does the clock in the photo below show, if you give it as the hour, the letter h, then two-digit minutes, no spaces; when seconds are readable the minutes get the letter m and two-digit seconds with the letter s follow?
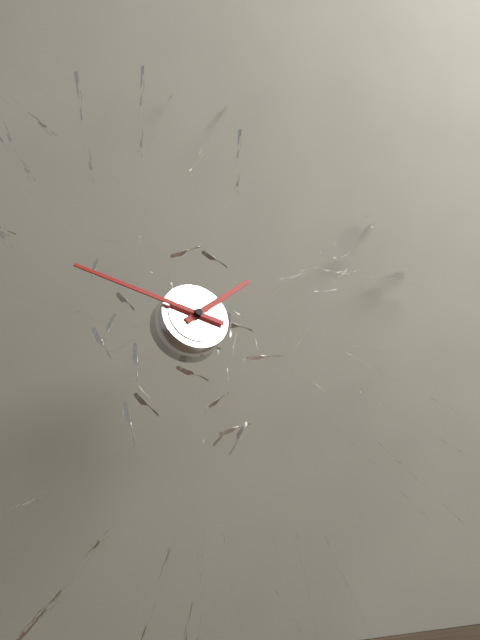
1h48
